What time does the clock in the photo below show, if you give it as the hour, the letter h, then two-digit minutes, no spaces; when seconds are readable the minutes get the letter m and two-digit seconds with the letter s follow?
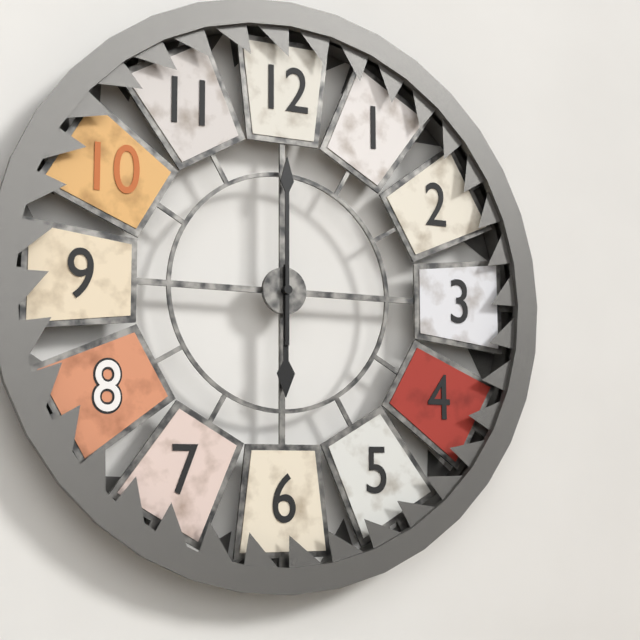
6h00
